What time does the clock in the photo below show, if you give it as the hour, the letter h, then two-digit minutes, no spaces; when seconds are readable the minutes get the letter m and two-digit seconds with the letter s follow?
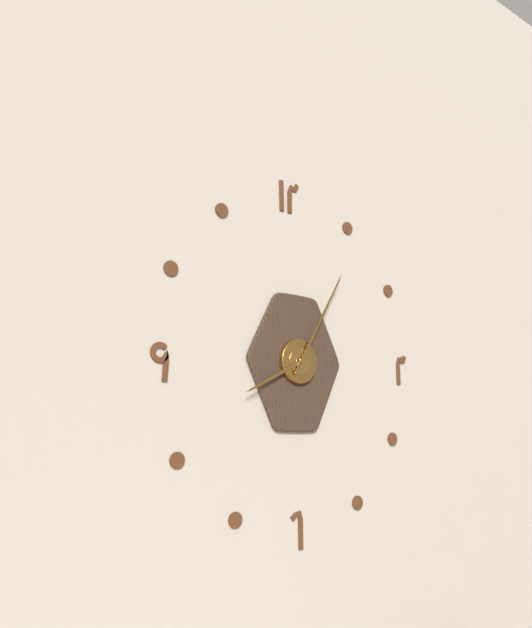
8h05
